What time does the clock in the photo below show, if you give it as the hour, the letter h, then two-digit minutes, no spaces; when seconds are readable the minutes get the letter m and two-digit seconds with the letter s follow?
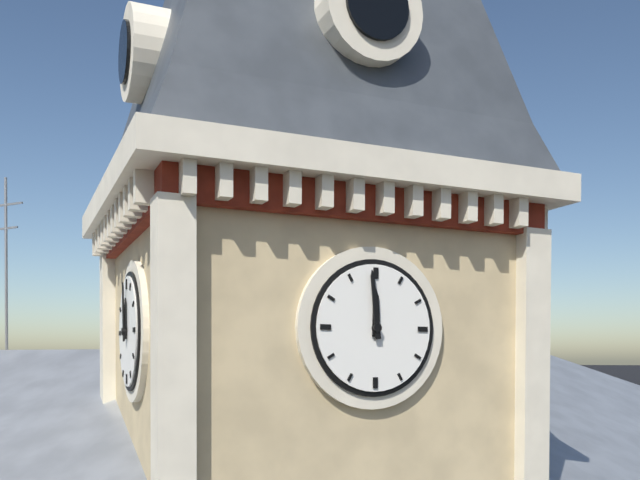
11h59
